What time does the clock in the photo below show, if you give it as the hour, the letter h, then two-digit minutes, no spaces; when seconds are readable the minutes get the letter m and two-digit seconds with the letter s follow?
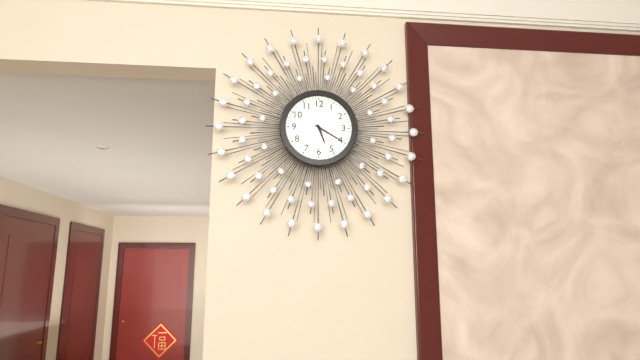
5h20
